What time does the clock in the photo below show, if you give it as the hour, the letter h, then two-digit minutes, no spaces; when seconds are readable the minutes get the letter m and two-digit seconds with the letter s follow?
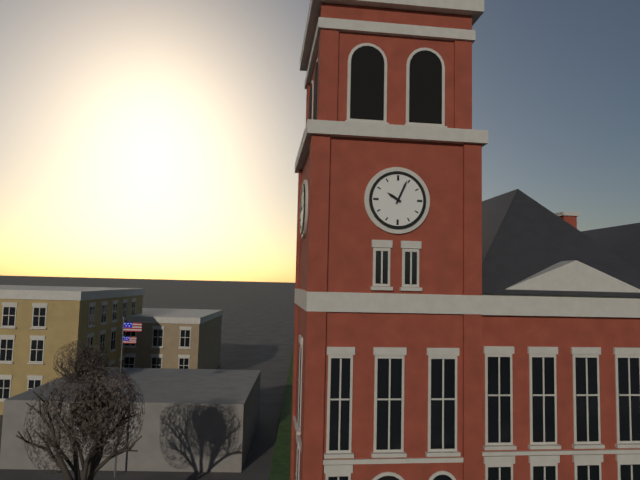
10h04
